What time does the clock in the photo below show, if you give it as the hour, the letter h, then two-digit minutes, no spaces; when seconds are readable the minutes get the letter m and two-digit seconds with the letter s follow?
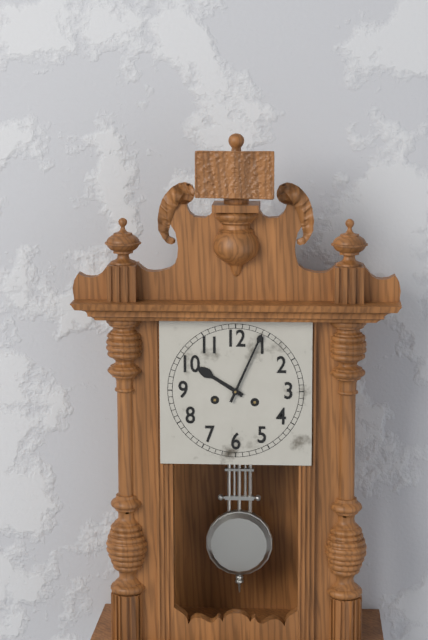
10h04
